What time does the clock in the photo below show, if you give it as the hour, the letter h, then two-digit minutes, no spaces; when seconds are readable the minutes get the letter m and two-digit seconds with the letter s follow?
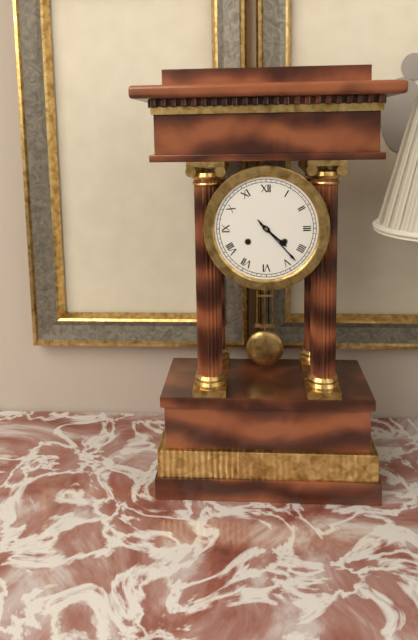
4h23
